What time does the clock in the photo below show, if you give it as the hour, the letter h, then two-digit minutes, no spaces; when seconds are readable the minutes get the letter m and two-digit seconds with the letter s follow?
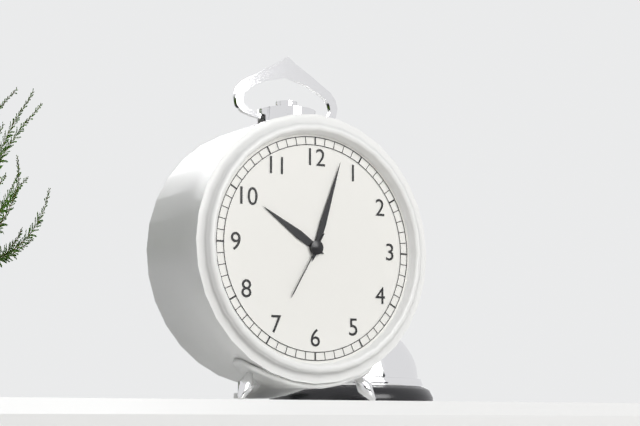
10h03m35s
